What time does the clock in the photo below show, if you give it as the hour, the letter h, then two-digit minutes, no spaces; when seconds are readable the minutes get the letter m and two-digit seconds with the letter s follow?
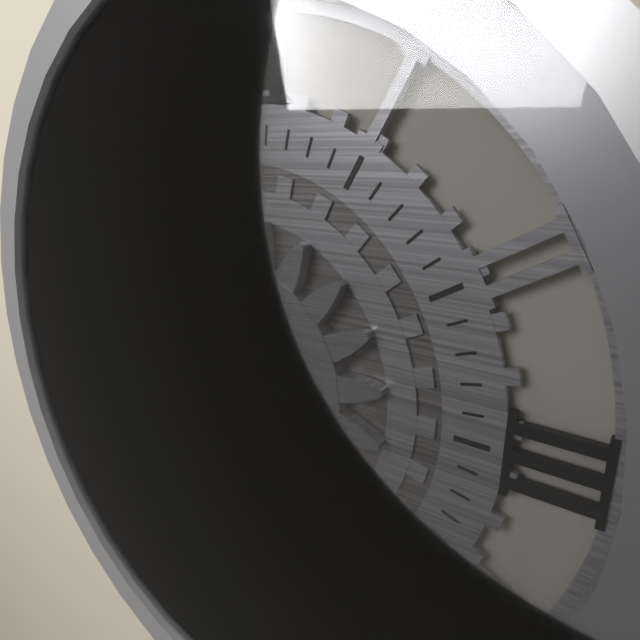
6h29
